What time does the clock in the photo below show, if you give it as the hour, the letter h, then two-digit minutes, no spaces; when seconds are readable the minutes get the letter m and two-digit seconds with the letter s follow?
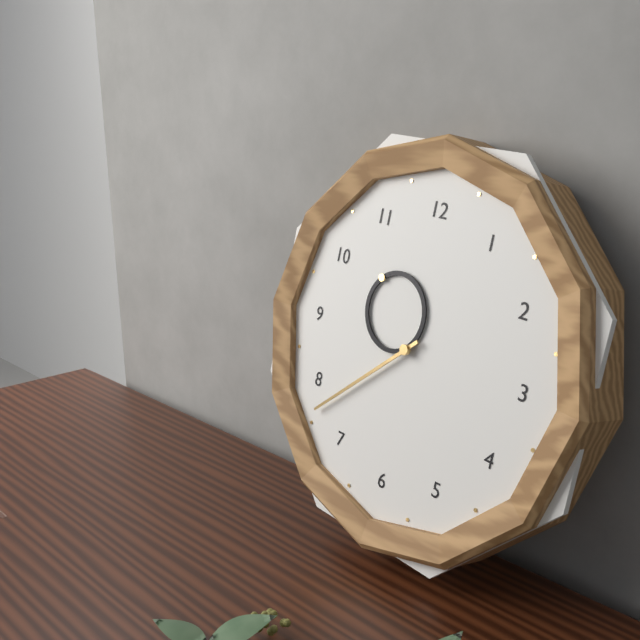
10h38
